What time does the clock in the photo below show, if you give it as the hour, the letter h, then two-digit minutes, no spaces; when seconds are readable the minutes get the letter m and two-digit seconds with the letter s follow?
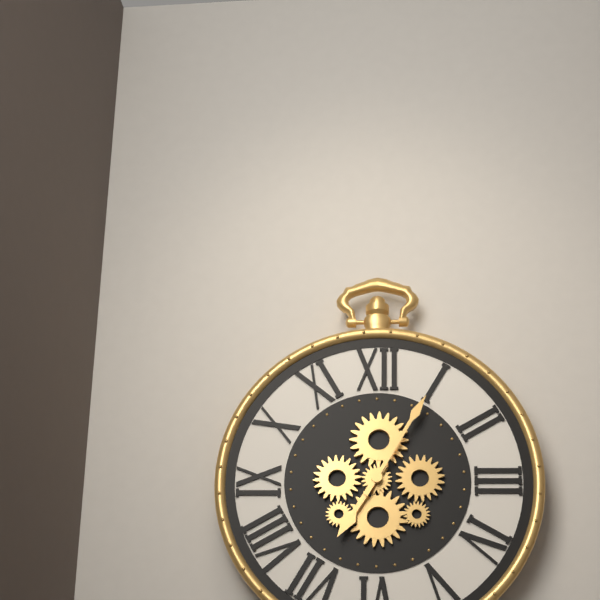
7h05
